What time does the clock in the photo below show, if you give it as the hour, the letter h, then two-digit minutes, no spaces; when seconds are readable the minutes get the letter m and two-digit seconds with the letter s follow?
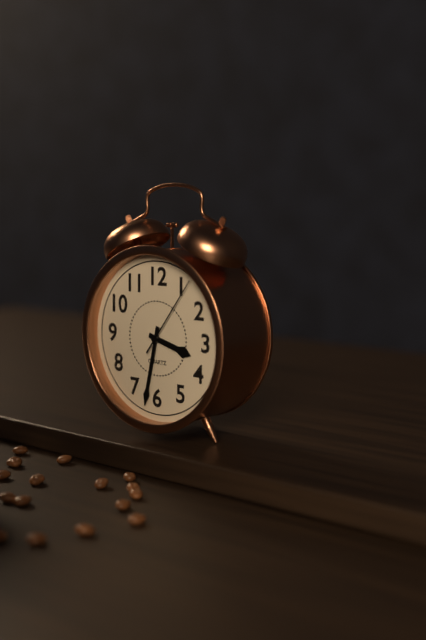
3h32m06s
